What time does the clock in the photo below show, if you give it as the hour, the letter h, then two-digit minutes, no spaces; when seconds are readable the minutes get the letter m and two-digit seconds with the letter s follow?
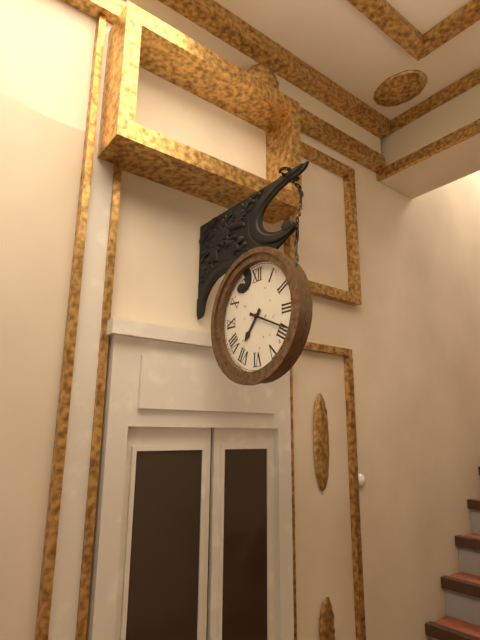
7h19
